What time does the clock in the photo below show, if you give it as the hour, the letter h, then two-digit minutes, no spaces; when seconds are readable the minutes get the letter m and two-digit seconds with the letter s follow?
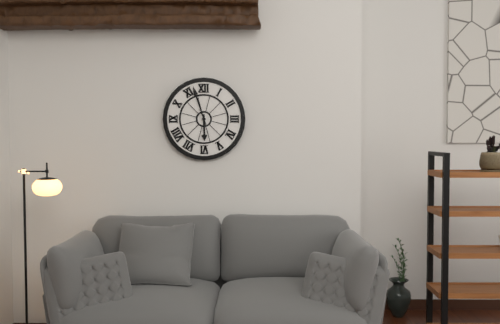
5h57
